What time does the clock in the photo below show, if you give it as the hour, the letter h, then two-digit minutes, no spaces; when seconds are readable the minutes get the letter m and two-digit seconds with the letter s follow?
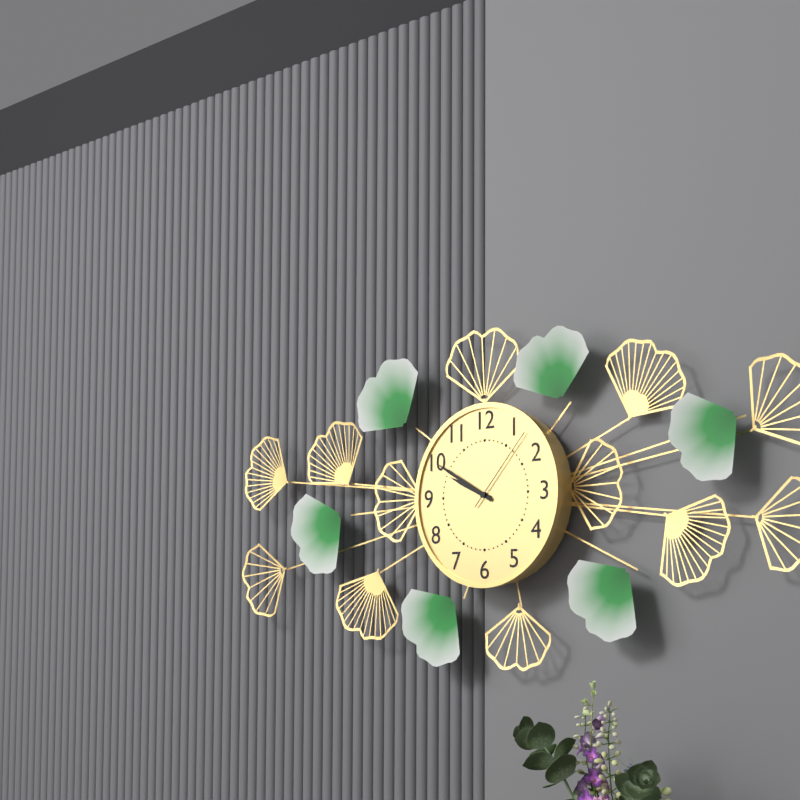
9h50m07s
